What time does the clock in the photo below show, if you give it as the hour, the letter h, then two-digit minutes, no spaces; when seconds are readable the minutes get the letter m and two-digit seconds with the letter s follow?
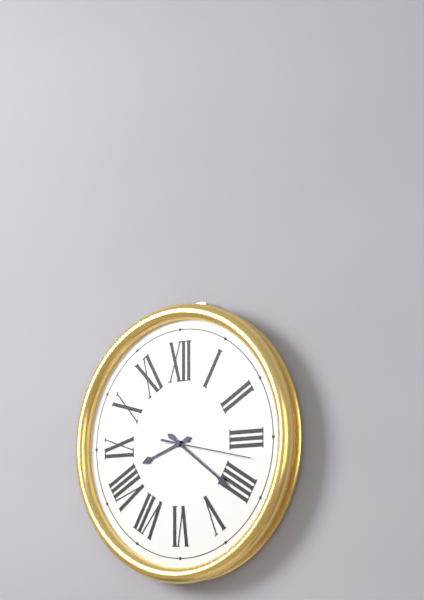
8h21m17s
